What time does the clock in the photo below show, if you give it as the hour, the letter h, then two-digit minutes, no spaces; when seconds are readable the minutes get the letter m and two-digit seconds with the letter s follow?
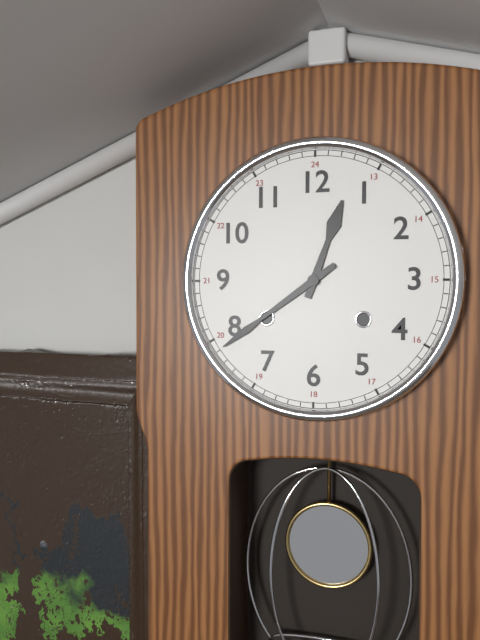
12h39
